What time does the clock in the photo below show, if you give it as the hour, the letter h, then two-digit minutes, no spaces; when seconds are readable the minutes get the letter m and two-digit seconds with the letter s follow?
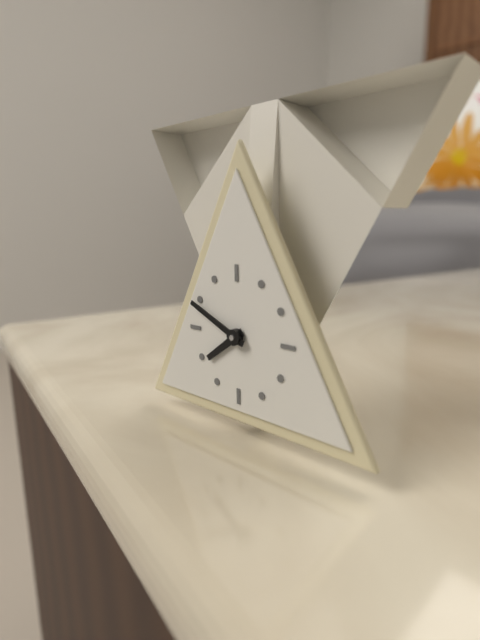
7h49
